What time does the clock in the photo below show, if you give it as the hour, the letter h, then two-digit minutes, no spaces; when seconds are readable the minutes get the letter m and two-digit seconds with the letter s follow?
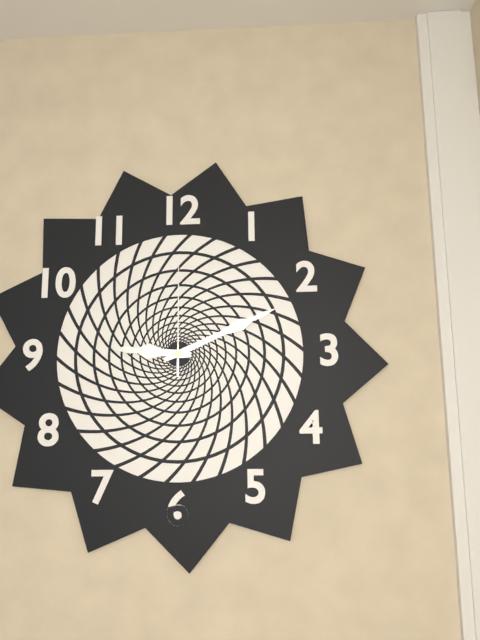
9h11m00s
